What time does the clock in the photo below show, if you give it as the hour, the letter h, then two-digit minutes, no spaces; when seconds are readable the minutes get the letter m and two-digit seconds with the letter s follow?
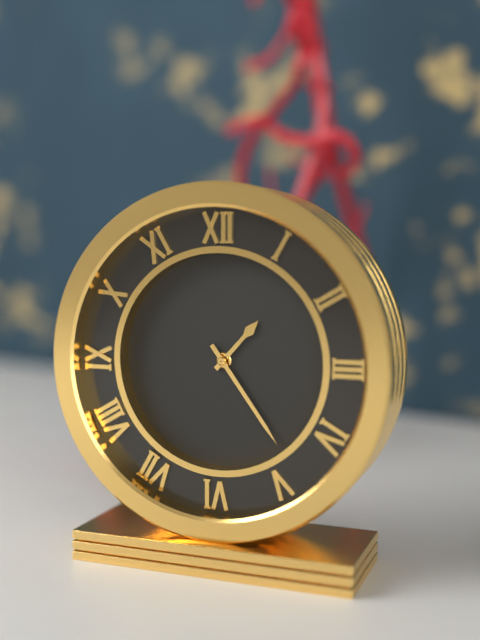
1h24
